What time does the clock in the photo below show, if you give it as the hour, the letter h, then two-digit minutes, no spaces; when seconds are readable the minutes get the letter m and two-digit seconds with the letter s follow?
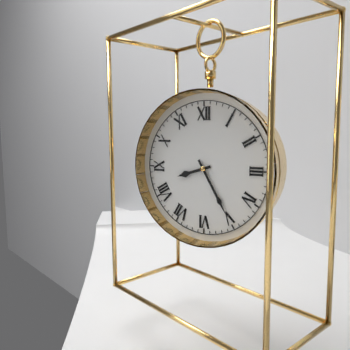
8h25
